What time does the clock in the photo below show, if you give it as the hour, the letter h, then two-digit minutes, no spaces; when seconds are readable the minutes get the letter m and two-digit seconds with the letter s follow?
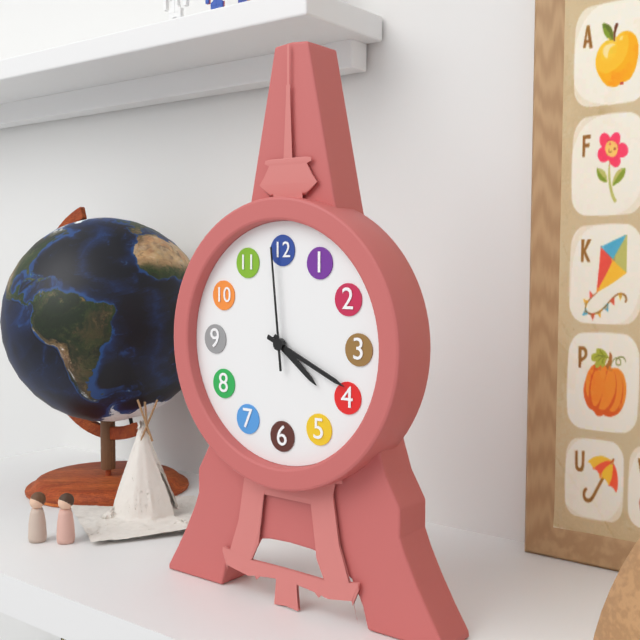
4h19m59s
